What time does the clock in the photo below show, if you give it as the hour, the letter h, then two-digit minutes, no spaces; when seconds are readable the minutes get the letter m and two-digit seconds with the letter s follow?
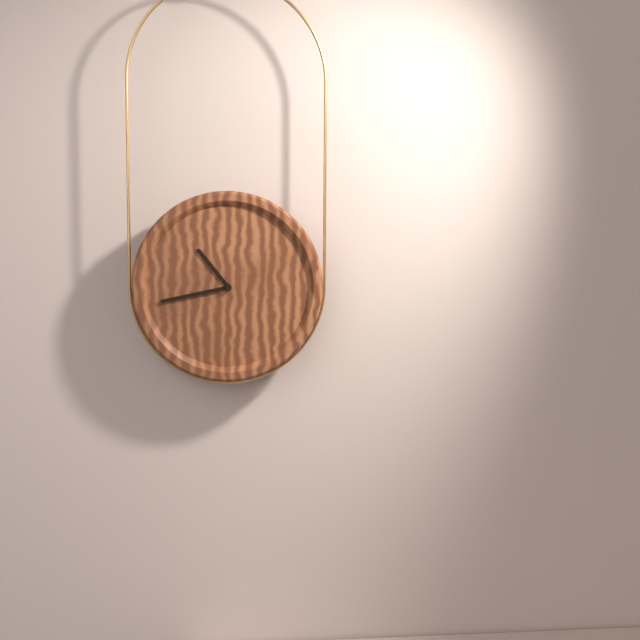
10h43
